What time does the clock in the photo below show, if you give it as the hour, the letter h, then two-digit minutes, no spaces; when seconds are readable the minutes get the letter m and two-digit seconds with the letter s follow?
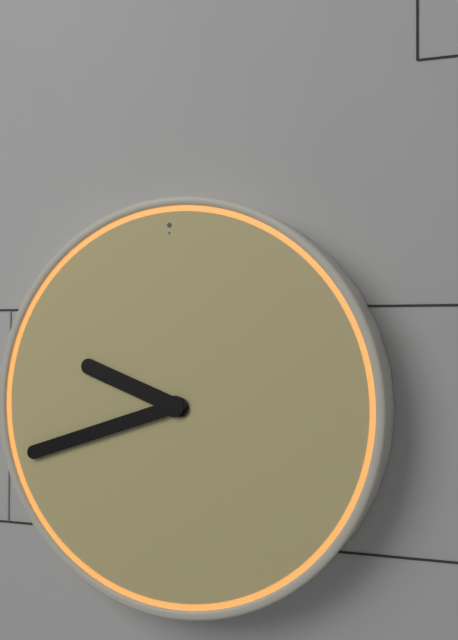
9h42
